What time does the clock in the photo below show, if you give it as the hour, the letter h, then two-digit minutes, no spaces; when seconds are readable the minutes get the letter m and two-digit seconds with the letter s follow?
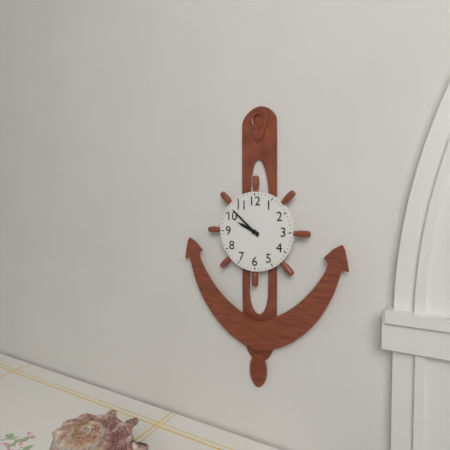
9h52
